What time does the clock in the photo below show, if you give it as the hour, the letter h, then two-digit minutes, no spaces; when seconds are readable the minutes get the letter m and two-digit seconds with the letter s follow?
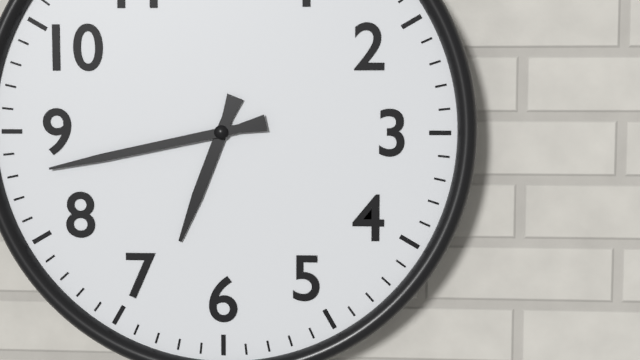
6h43
